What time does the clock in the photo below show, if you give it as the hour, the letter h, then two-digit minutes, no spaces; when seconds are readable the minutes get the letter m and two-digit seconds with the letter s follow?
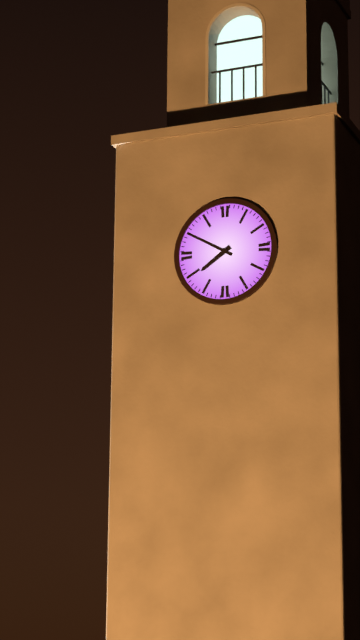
7h50
